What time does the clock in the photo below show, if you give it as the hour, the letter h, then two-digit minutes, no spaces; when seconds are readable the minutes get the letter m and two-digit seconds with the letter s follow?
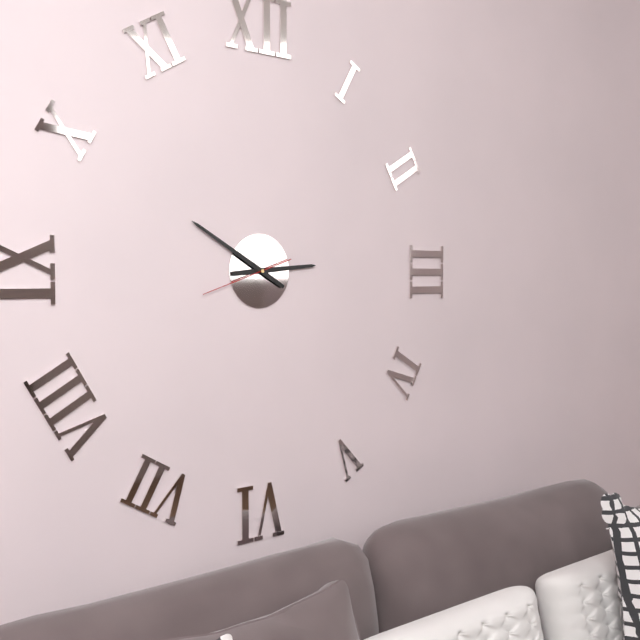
2h50m42s
